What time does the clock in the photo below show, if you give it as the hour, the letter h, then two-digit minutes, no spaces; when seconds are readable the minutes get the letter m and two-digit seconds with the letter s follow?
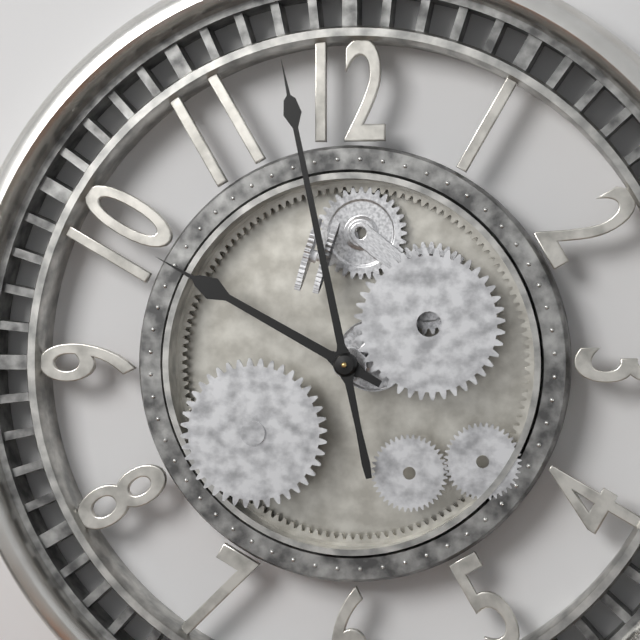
9h58
